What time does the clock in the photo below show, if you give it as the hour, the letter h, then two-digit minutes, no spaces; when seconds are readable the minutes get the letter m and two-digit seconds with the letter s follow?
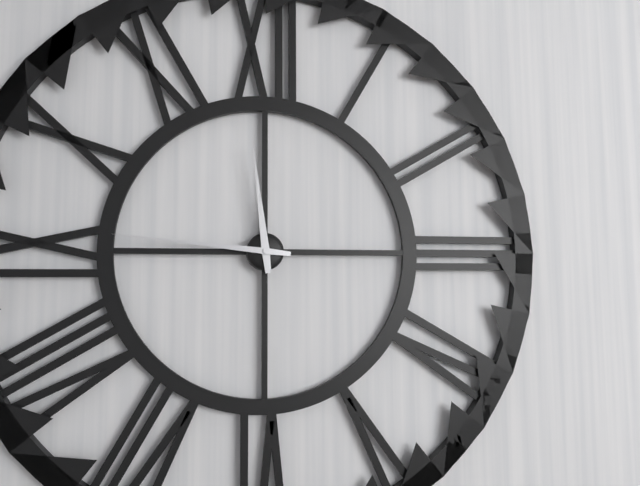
11h46
